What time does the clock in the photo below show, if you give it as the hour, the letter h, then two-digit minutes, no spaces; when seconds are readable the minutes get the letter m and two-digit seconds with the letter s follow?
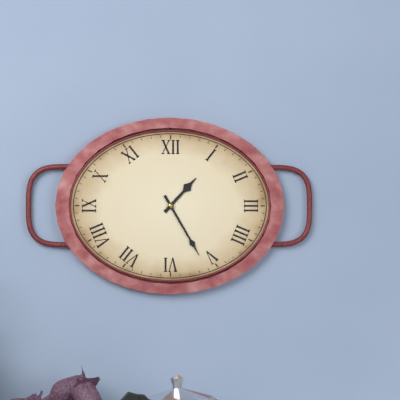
1h25
